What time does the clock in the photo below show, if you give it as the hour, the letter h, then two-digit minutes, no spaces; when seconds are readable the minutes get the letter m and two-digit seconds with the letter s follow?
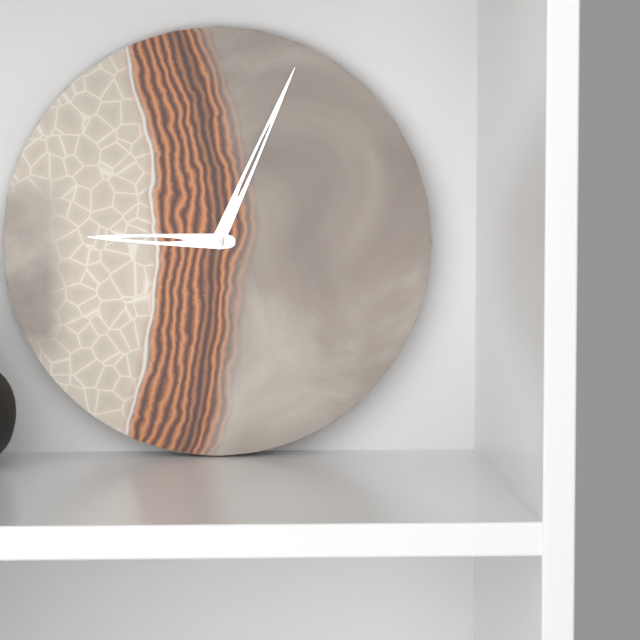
9h04
